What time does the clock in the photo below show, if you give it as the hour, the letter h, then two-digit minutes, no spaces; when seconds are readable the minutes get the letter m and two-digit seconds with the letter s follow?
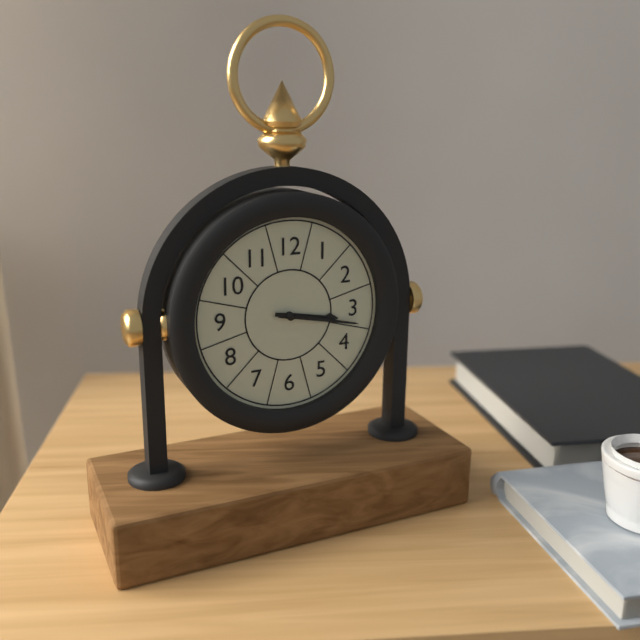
3h17
